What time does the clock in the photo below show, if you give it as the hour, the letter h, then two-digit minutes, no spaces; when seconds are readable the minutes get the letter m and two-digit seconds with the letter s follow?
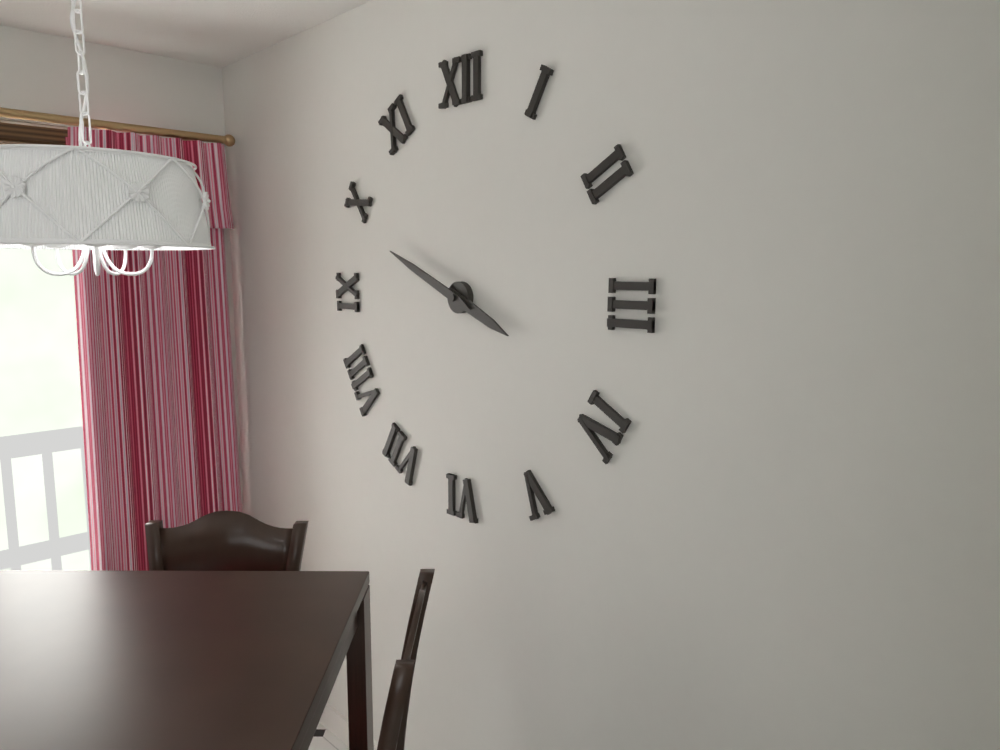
3h49
